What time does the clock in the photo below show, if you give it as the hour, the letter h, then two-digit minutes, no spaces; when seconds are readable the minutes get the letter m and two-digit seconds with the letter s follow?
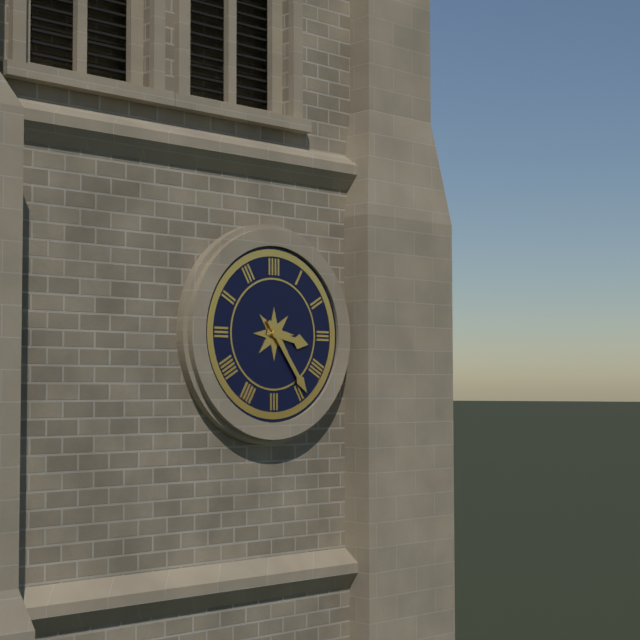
3h24
